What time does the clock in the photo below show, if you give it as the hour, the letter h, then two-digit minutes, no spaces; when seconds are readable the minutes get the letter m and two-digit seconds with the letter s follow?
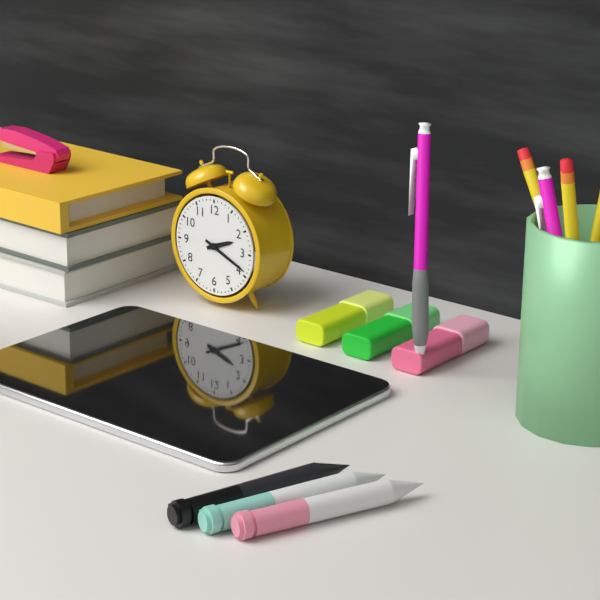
2h19
